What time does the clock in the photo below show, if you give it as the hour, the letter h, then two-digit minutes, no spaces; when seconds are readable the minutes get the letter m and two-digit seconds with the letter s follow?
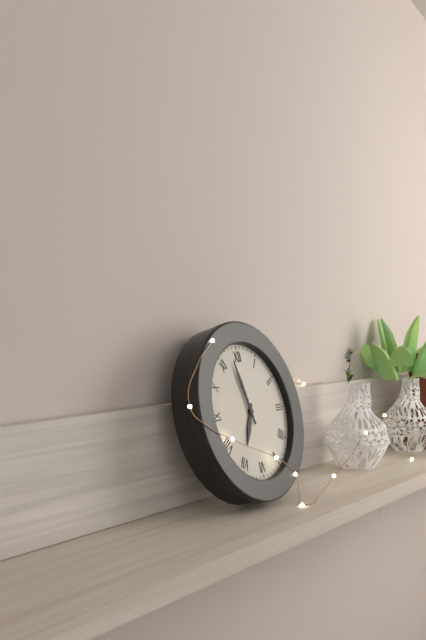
6h58
